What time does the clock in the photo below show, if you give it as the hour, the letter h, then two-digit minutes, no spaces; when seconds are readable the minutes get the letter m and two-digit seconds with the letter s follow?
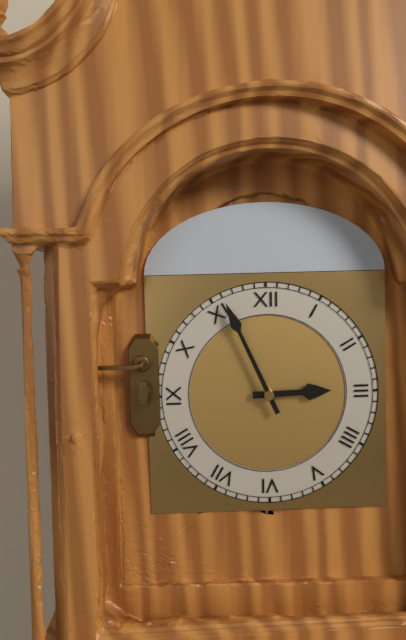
2h56
